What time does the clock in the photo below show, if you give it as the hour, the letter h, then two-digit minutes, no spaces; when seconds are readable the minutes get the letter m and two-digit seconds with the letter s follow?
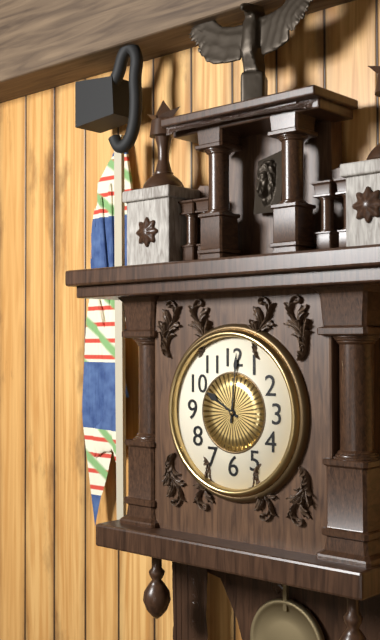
10h01
